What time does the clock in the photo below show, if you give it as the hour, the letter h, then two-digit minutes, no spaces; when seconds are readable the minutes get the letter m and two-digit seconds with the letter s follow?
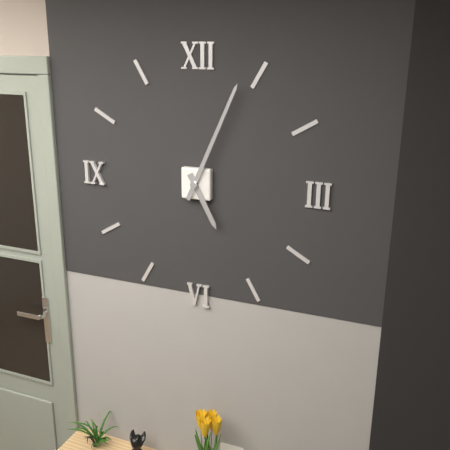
5h04
